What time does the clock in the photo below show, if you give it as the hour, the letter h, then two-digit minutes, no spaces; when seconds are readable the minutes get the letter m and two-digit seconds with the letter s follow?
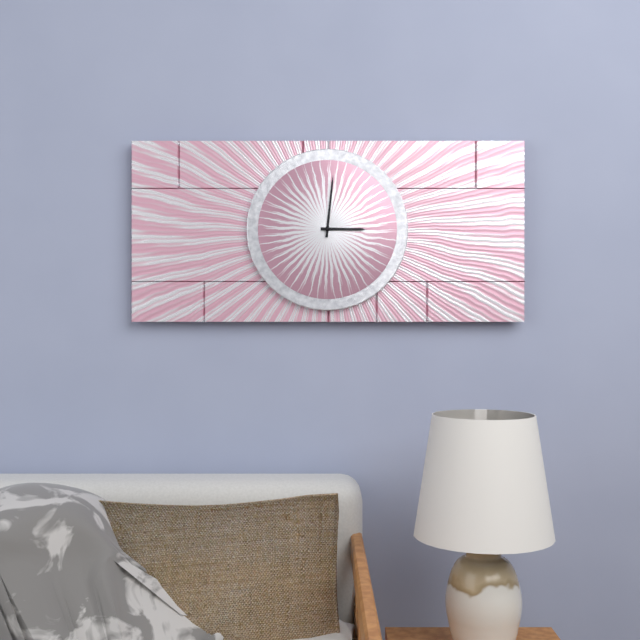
3h01
